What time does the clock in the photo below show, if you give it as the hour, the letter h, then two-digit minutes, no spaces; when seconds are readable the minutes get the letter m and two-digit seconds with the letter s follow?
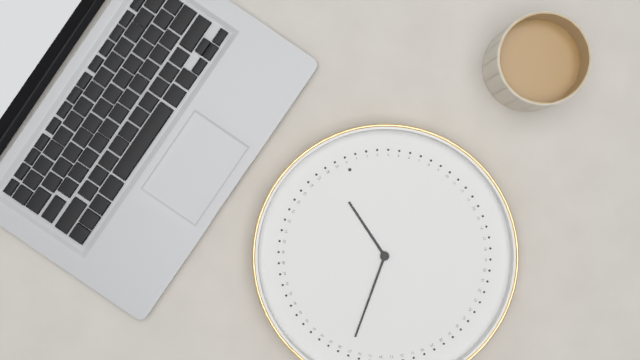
11h37
